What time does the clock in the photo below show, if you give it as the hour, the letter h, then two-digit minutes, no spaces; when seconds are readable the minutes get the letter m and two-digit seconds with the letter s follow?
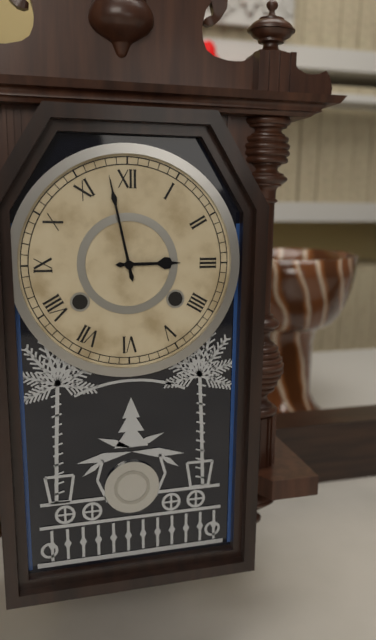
2h58
